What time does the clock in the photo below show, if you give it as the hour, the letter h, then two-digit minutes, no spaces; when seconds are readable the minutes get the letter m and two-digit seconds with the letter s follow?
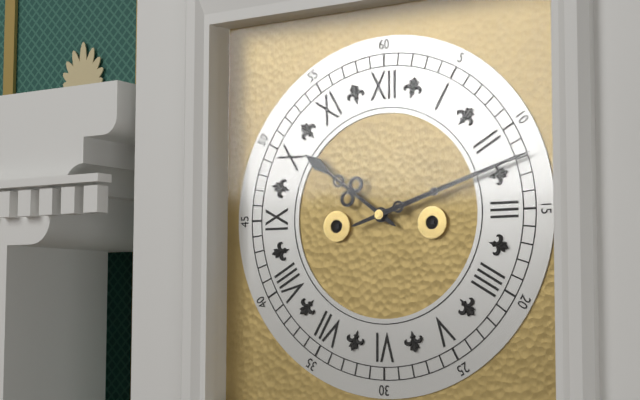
10h12
